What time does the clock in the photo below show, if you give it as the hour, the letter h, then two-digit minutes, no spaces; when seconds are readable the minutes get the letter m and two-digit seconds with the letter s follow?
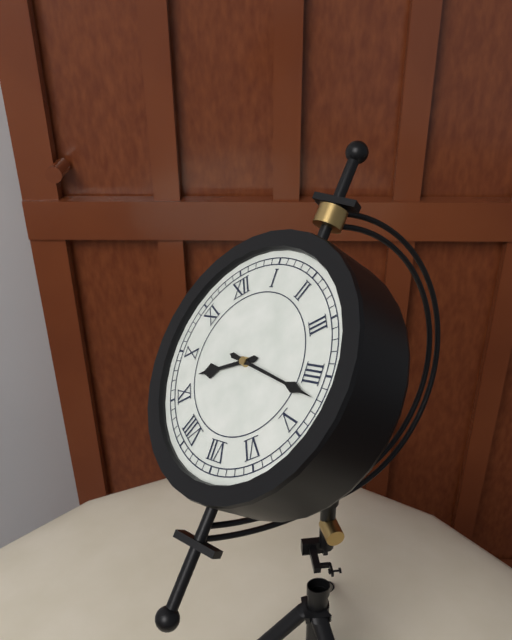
9h22
